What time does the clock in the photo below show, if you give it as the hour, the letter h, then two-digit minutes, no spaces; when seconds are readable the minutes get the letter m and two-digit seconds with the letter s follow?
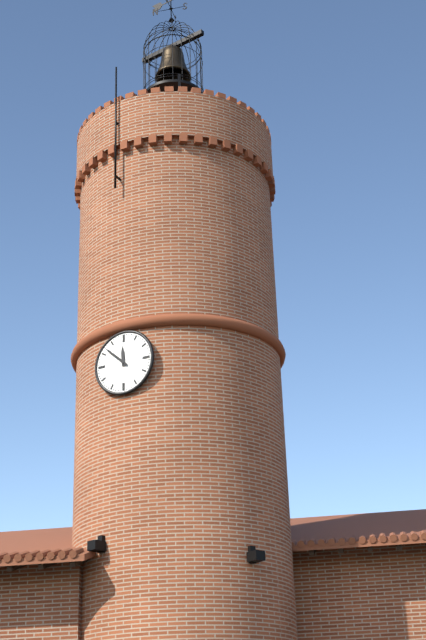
11h52
